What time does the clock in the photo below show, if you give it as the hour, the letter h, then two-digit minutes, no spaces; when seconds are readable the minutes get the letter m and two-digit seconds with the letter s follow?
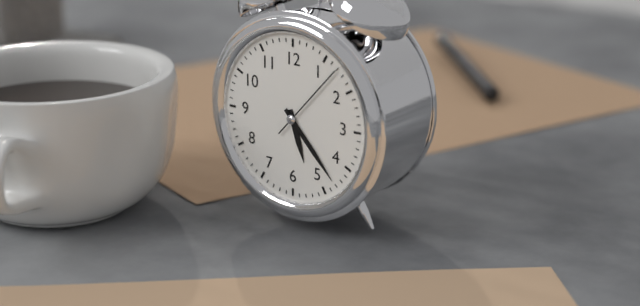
5h23m07s
